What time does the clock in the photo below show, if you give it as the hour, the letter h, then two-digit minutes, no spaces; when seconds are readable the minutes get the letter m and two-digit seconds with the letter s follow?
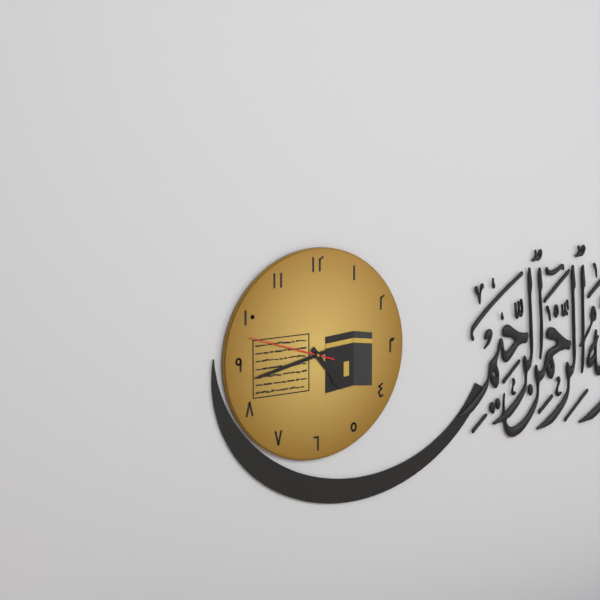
4h43m48s
